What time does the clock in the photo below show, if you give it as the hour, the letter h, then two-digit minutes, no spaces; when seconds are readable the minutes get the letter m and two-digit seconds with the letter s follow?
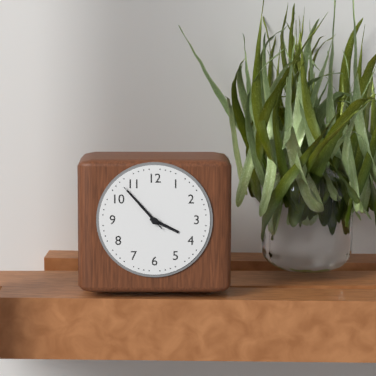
3h53m53s
